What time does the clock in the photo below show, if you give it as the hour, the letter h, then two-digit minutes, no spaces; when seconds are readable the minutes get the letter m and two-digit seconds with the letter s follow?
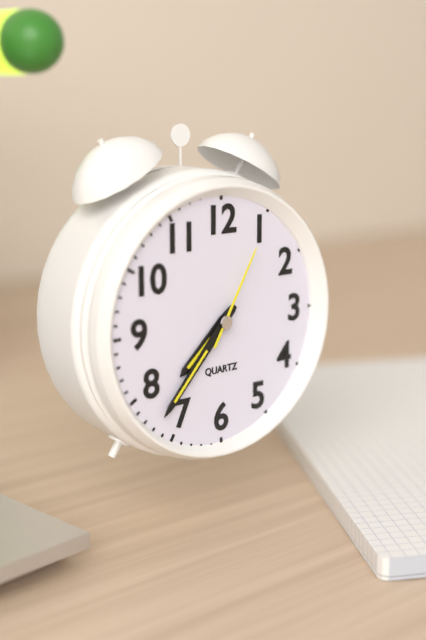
7h37m05s
